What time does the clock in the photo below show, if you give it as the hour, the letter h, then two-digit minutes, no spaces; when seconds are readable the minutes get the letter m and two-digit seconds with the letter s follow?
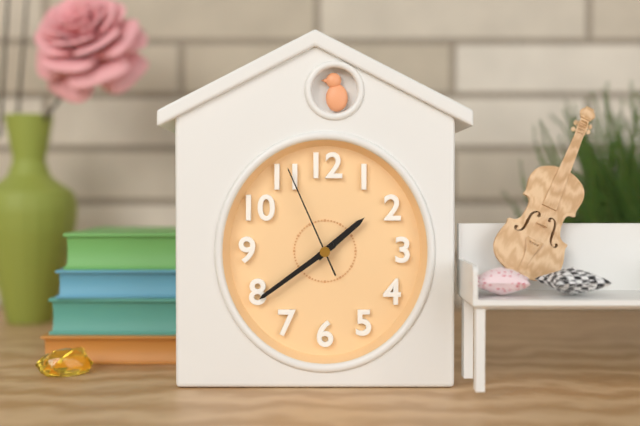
1h39m56s
